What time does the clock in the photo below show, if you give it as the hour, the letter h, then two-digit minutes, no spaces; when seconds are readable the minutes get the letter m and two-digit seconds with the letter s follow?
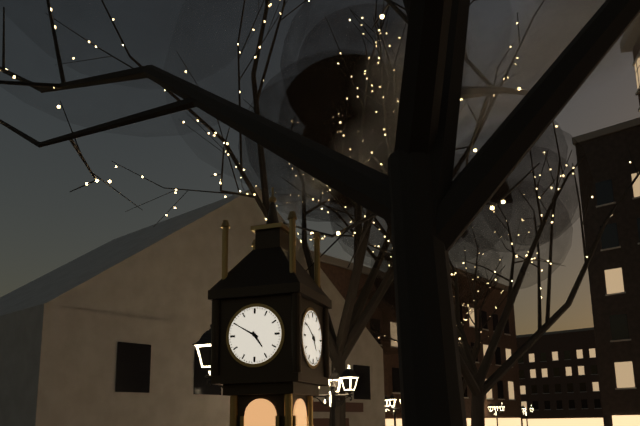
4h50
